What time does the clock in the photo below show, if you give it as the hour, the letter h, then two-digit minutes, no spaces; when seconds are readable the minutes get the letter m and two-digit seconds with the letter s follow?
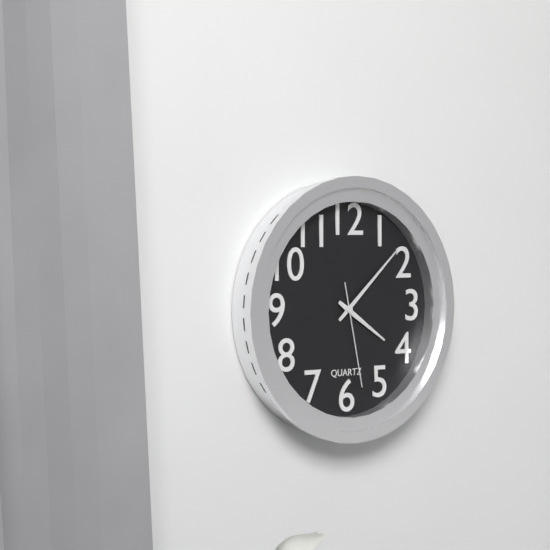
4h08m28s
